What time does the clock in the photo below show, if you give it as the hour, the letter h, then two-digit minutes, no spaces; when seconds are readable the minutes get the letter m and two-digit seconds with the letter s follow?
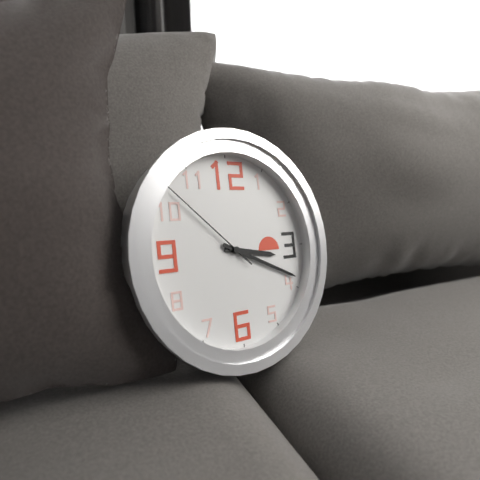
3h19m52s
